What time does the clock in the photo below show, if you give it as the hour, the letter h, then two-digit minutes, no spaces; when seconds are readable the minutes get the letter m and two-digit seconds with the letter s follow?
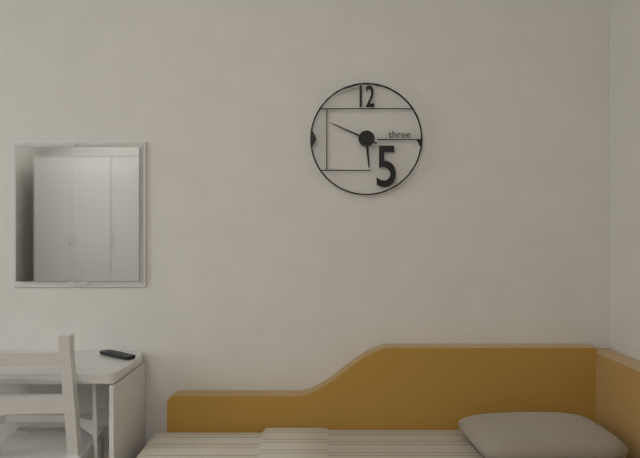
5h49
